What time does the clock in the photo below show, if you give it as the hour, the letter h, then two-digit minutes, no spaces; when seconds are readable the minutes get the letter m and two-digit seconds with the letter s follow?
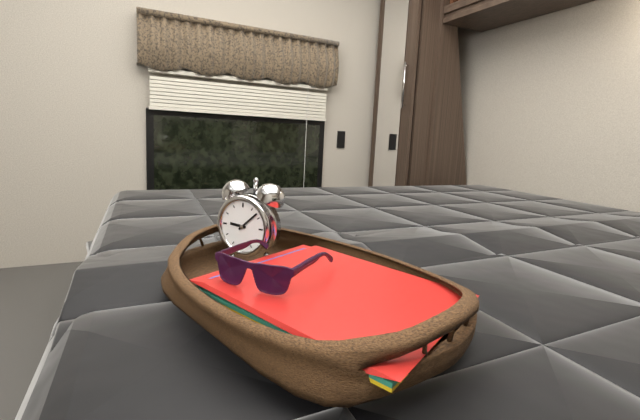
9h08
